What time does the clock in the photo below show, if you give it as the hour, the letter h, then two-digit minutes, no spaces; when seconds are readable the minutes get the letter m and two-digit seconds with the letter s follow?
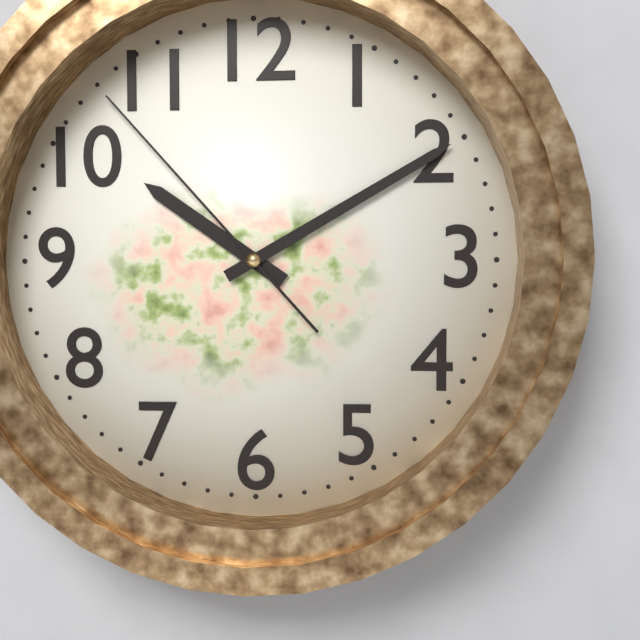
10h10m53s
